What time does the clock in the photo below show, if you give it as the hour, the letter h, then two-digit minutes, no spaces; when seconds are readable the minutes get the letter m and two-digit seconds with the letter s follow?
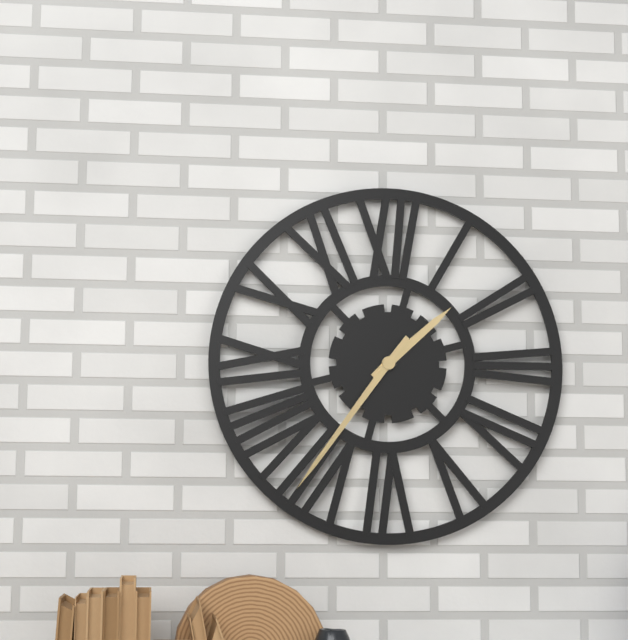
1h36
